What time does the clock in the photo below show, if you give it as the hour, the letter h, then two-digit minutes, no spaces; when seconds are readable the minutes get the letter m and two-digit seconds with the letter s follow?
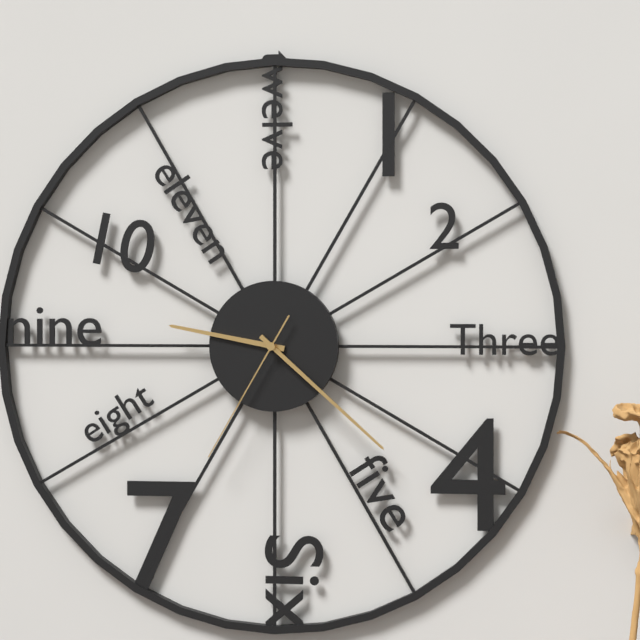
9h22m35s
